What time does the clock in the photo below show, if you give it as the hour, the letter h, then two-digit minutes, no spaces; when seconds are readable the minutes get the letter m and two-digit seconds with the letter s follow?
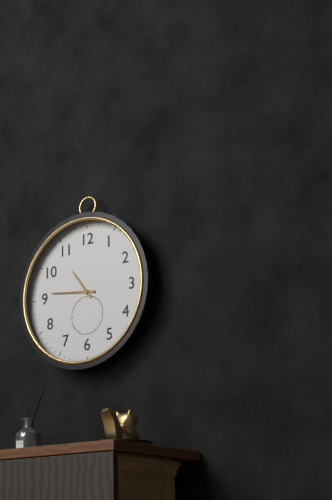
10h46
